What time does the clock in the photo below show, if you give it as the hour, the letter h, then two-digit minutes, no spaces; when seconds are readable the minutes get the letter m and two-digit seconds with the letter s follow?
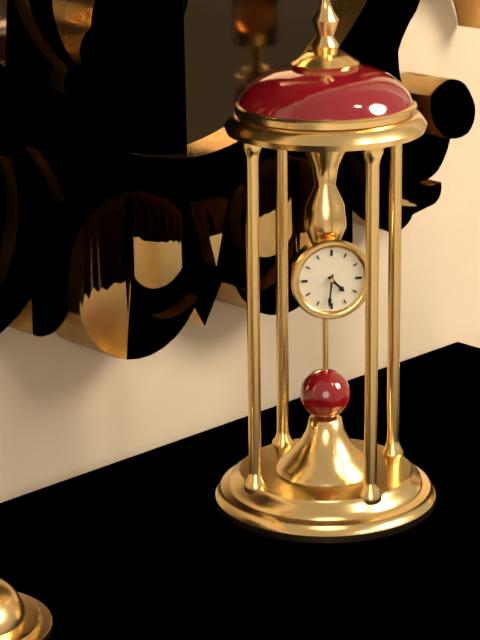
4h31
